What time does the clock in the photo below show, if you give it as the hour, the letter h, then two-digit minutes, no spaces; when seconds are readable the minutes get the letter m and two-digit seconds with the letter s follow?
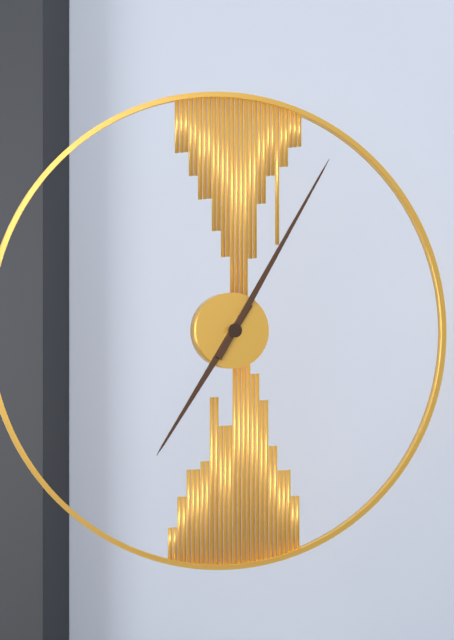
7h05
